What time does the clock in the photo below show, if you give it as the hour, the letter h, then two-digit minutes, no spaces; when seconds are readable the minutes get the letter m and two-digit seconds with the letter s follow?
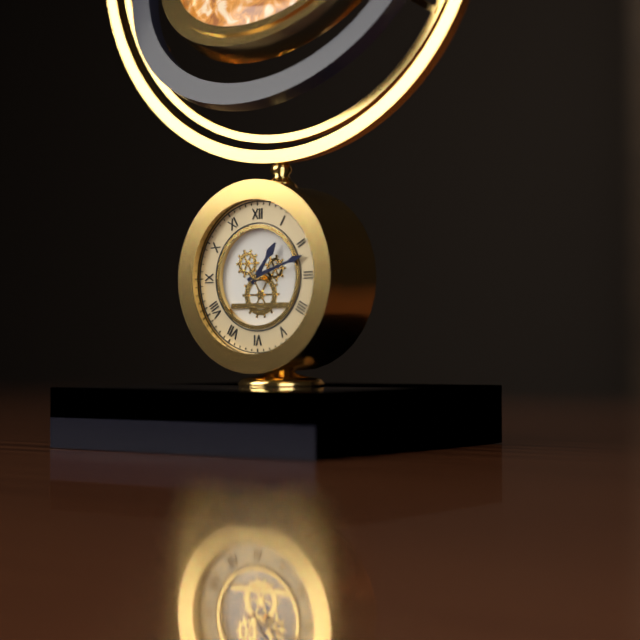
1h12
